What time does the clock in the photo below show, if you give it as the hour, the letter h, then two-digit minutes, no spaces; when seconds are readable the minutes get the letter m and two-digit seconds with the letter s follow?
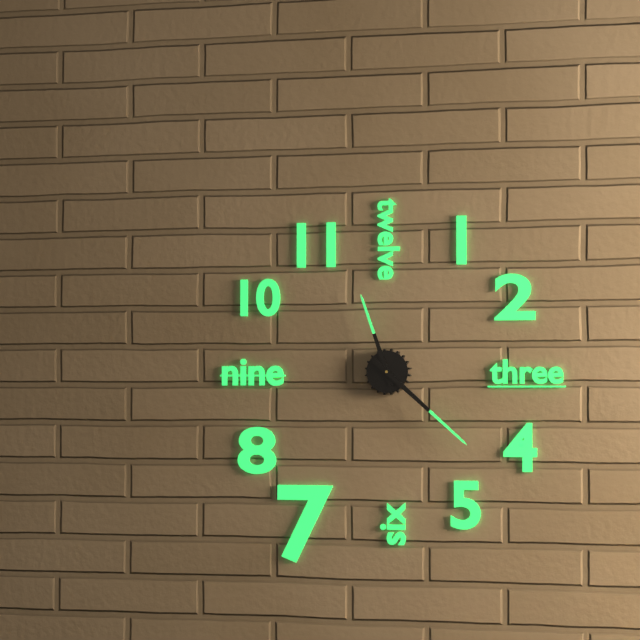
11h22
